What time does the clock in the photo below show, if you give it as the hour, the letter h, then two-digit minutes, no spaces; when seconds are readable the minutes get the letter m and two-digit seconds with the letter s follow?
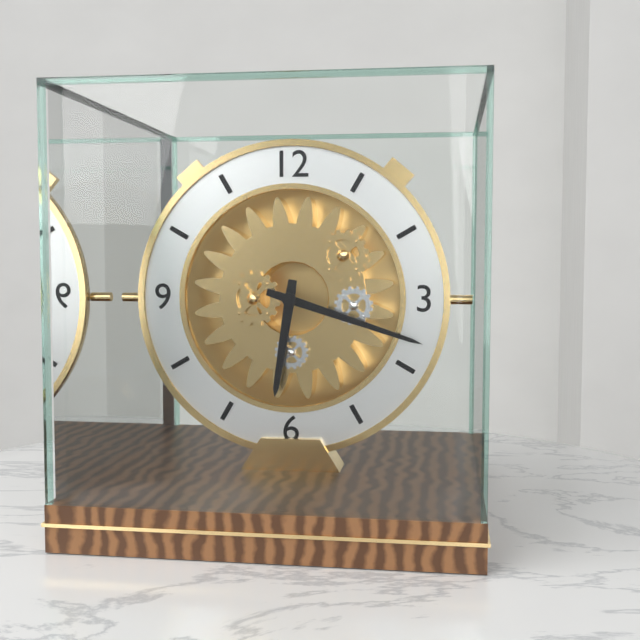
6h18
